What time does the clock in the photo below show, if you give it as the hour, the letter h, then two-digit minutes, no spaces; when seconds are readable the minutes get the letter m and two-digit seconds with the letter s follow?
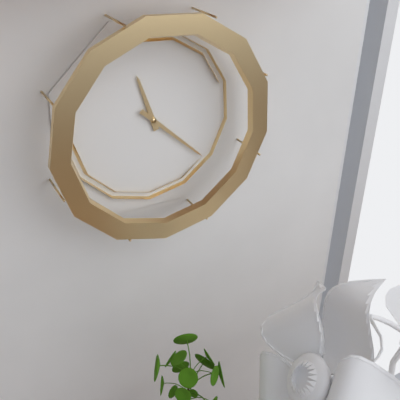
11h22
